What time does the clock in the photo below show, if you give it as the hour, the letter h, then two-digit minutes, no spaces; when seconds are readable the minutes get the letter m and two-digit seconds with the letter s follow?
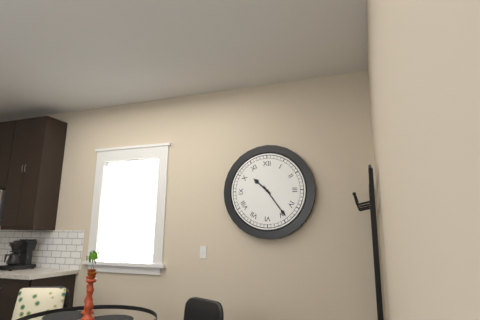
10h24
